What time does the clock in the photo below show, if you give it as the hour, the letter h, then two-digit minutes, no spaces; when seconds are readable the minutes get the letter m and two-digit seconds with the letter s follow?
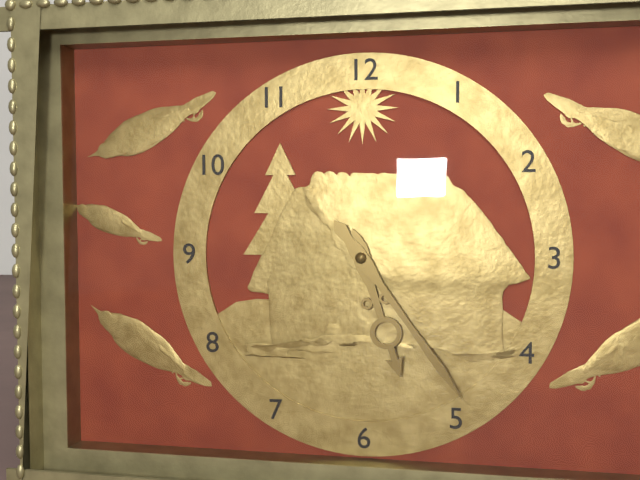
5h24
